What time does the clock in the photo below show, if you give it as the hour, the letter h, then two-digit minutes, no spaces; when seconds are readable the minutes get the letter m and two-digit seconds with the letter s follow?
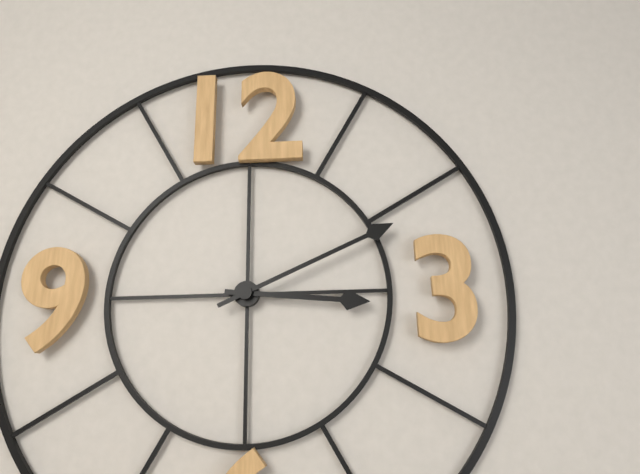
3h11
